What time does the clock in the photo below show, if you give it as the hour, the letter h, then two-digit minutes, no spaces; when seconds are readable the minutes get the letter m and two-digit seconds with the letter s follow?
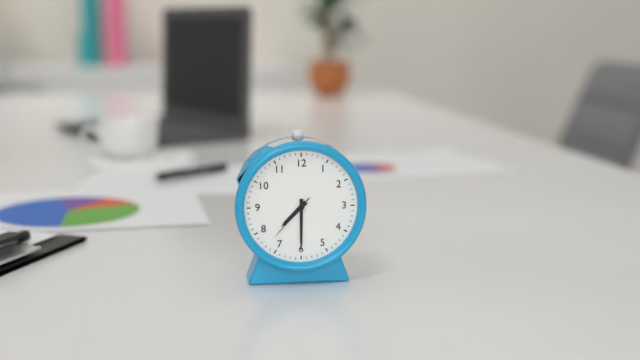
7h30m37s
